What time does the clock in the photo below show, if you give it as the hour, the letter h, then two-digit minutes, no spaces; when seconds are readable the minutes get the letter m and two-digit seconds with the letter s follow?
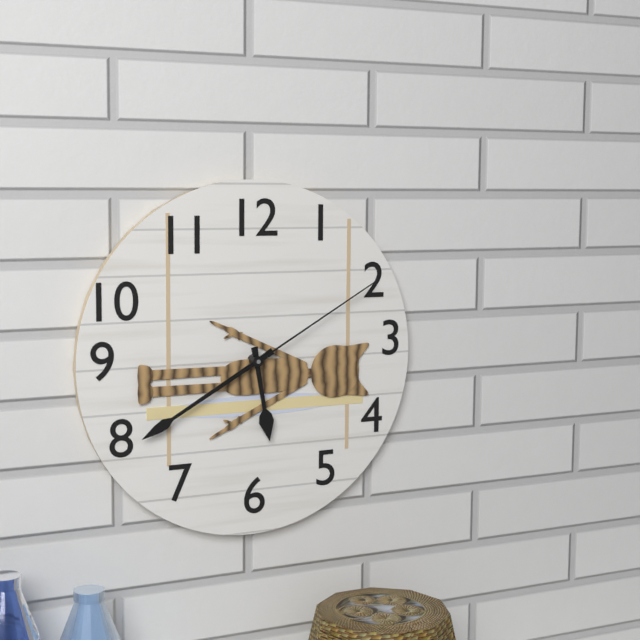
5h40m10s
